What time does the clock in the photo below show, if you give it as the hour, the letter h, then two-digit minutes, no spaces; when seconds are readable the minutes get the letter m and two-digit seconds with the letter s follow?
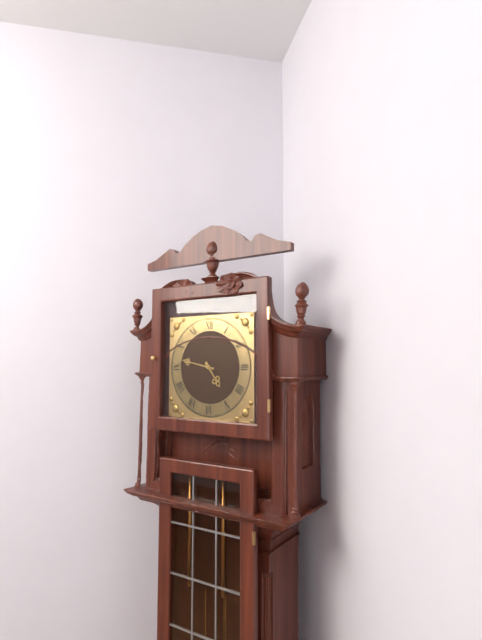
4h47
